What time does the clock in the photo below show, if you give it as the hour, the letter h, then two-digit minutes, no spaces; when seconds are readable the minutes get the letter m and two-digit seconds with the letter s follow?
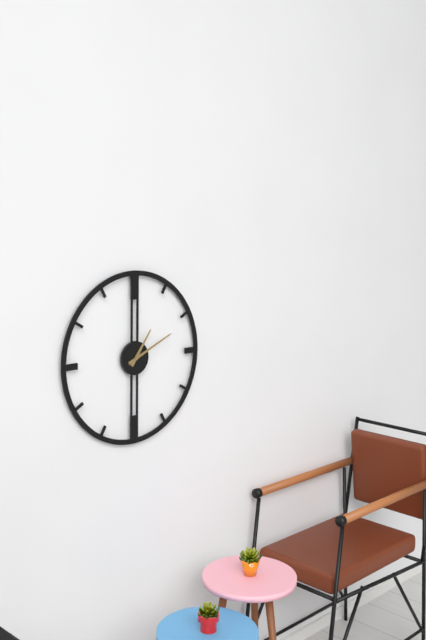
1h11
